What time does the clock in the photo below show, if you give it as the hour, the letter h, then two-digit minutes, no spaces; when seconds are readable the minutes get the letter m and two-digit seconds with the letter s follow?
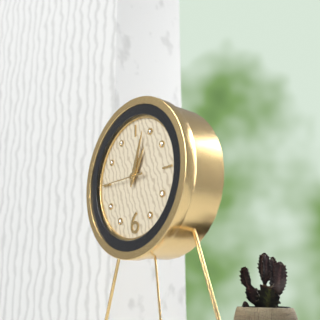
1h03m45s
